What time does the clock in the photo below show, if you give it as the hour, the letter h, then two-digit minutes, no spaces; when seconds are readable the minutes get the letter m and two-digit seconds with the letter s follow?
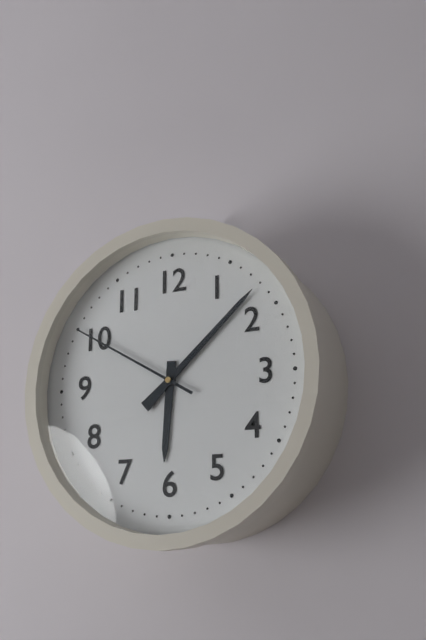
6h08m50s
